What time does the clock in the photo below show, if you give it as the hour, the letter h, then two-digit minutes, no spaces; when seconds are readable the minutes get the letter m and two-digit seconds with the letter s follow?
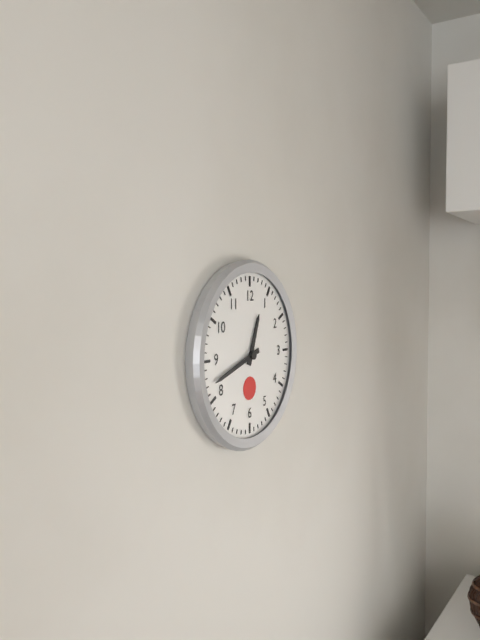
12h42
